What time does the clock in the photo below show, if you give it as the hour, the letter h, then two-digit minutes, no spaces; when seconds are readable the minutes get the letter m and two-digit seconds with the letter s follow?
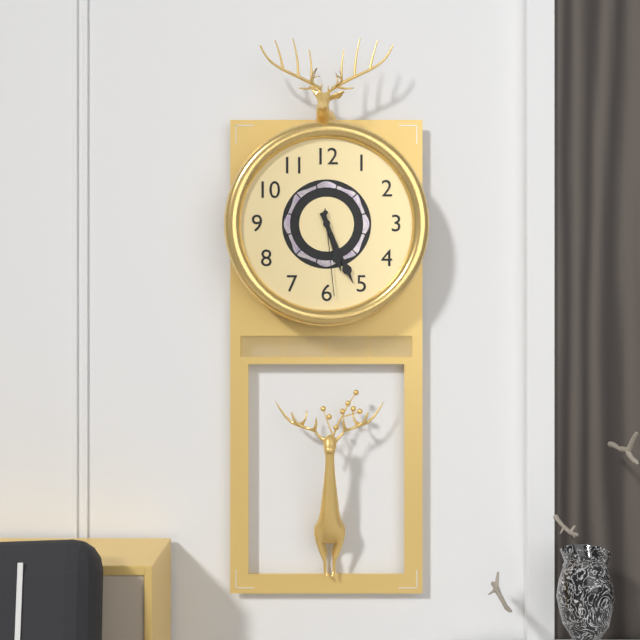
5h26m29s
